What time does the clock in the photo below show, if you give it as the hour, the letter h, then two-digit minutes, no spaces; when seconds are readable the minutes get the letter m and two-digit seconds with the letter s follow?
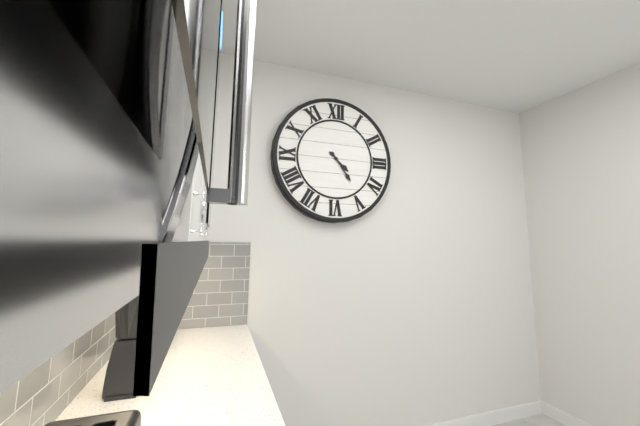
4h24
